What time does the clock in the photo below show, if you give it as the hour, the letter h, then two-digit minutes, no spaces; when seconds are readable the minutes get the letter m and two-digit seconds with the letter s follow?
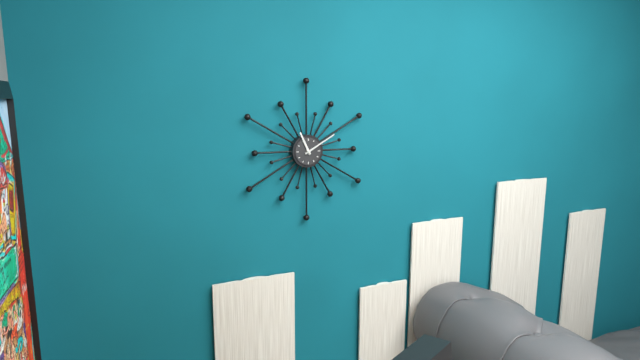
11h10
